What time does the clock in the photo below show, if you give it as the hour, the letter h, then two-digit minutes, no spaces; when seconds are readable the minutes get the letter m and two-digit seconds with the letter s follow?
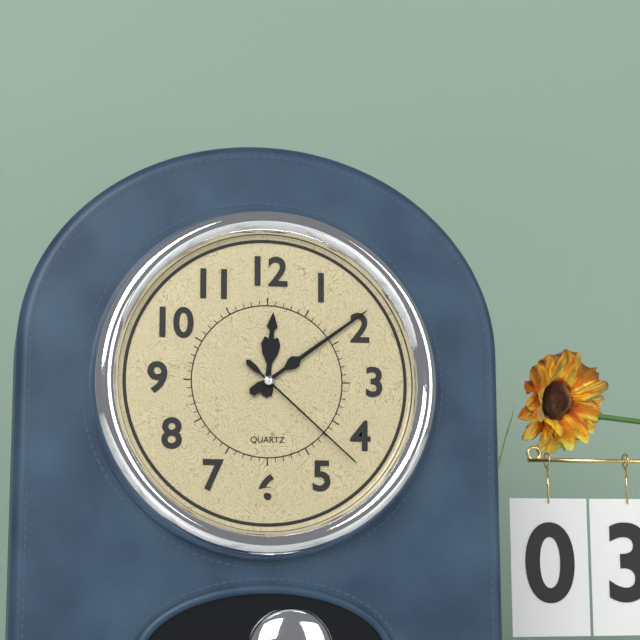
12h09m22s
